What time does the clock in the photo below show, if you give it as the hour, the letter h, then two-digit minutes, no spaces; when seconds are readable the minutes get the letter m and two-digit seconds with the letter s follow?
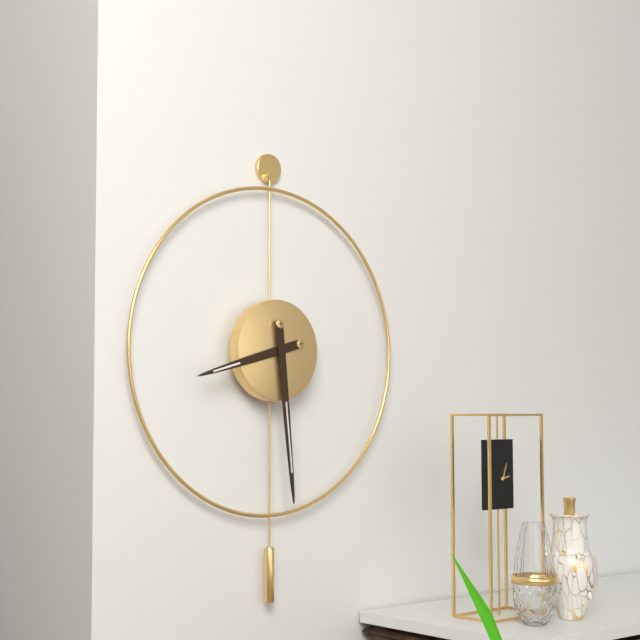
8h29
